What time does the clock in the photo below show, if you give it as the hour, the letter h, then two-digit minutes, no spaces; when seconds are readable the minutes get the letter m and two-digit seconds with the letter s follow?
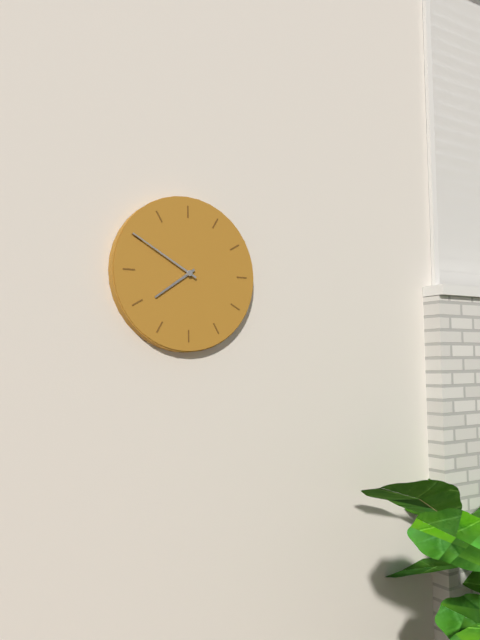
7h50
